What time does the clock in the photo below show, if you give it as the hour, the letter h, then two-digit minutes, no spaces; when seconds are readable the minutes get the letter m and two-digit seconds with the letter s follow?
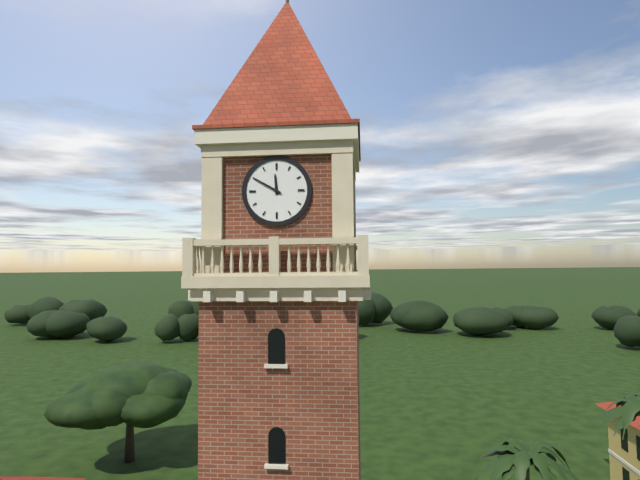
11h50
